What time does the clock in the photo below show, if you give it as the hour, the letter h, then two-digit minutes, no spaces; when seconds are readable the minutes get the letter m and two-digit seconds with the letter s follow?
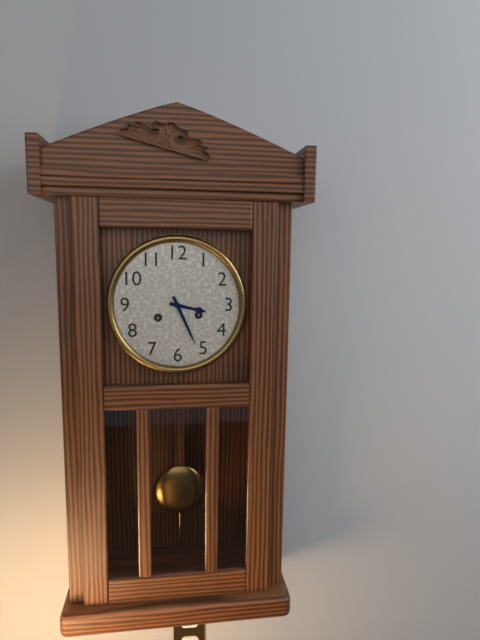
3h26
